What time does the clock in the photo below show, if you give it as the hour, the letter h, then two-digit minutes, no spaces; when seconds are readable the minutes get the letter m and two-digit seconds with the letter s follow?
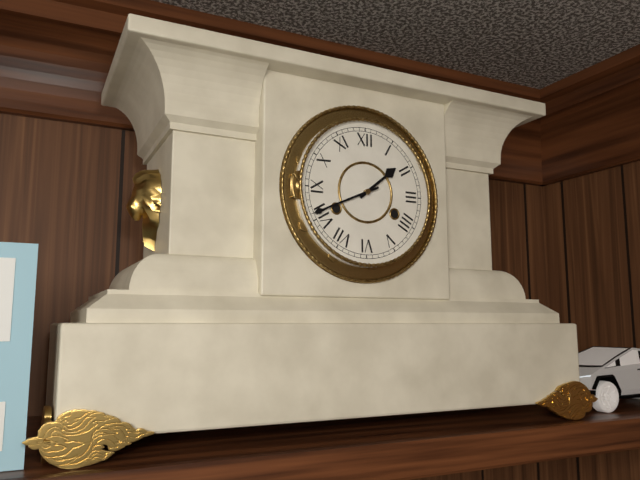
1h41
